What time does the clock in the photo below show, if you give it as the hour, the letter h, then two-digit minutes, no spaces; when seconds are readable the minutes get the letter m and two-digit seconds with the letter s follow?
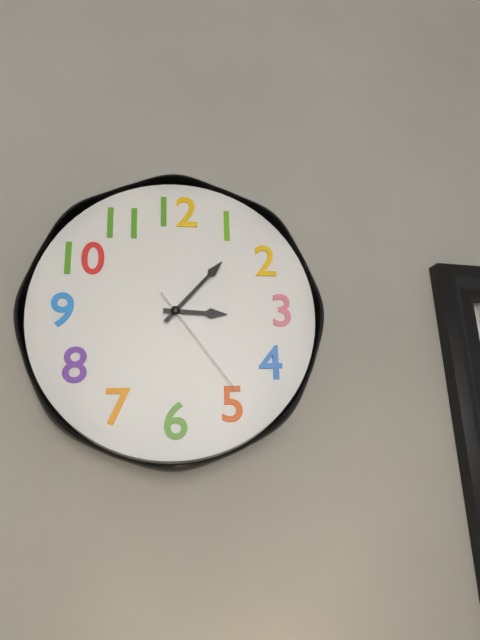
3h07m24s
